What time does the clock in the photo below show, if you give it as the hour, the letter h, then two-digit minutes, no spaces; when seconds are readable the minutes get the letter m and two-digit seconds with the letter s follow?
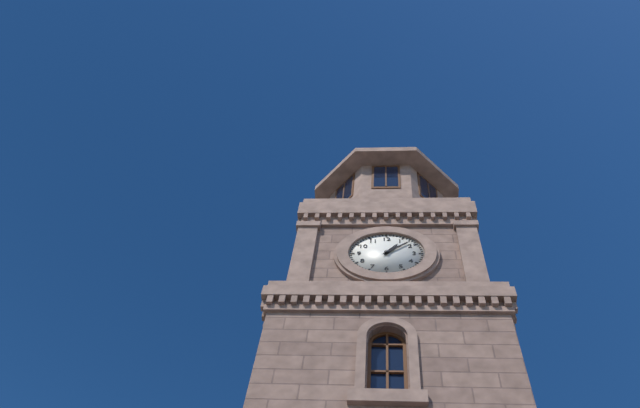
1h08
